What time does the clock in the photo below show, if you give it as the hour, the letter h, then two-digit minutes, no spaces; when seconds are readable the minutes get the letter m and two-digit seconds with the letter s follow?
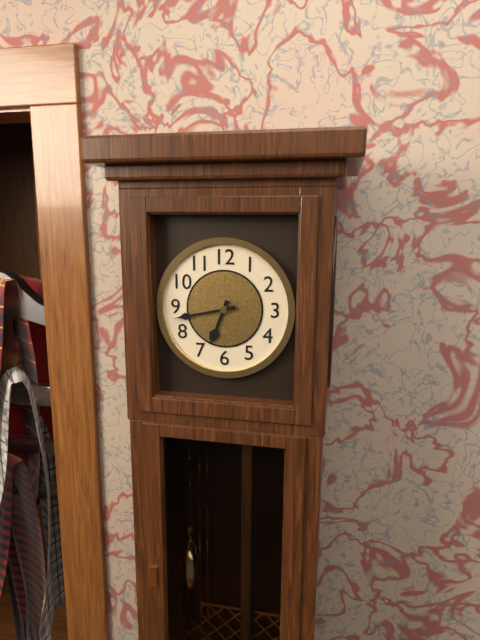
6h43
